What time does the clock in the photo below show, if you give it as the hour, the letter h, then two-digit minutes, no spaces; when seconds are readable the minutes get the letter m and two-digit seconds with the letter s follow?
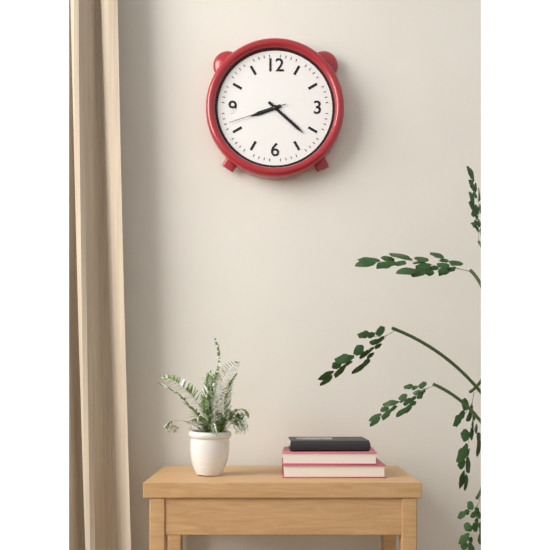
8h22m42s
